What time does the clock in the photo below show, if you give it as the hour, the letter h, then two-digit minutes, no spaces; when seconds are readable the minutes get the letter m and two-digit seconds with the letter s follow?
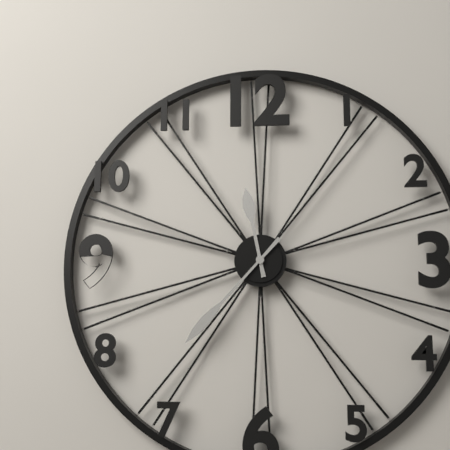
11h37
